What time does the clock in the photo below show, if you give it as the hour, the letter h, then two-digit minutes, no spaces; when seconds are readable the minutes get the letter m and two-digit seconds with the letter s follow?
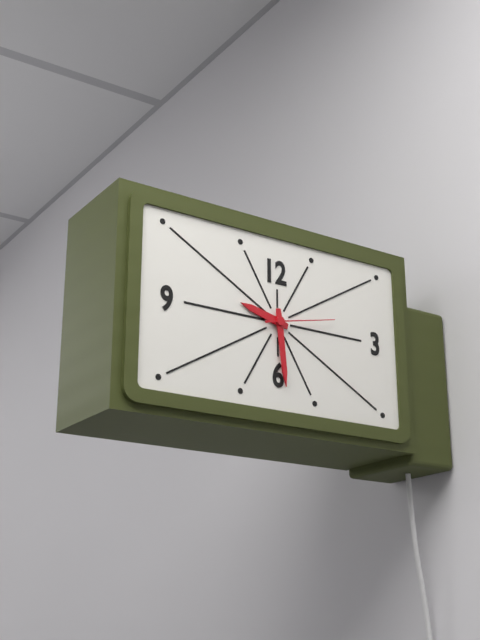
9h29m13s
